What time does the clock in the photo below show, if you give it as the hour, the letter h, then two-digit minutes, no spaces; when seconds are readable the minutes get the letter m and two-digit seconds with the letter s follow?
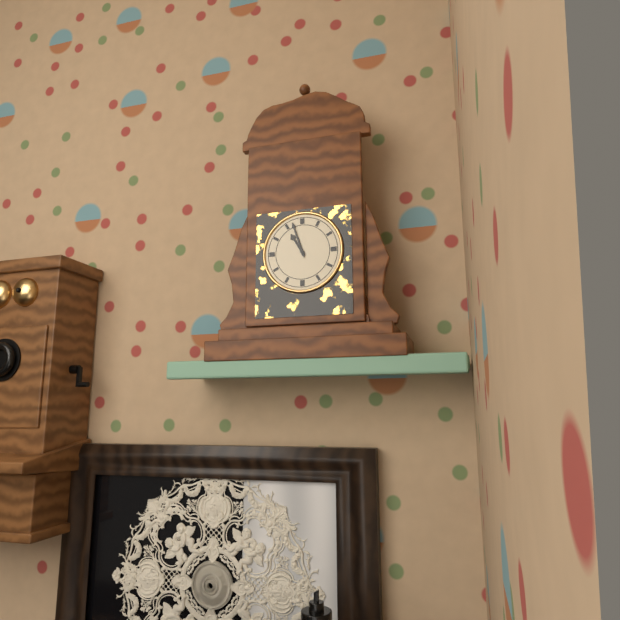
10h57
